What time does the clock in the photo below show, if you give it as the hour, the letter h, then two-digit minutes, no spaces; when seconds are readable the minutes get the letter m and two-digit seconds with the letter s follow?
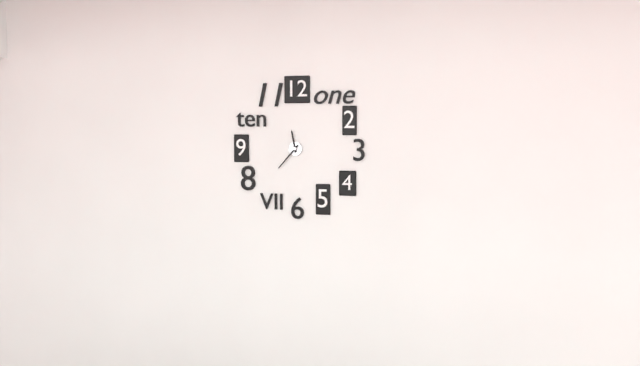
11h37
